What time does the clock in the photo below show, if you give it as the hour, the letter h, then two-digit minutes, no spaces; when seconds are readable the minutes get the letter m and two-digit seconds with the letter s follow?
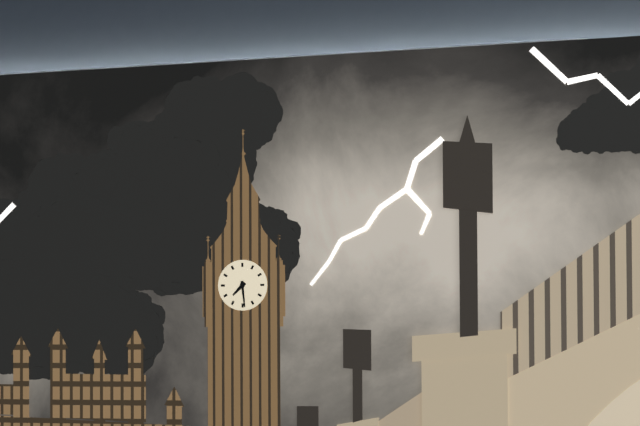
7h29
